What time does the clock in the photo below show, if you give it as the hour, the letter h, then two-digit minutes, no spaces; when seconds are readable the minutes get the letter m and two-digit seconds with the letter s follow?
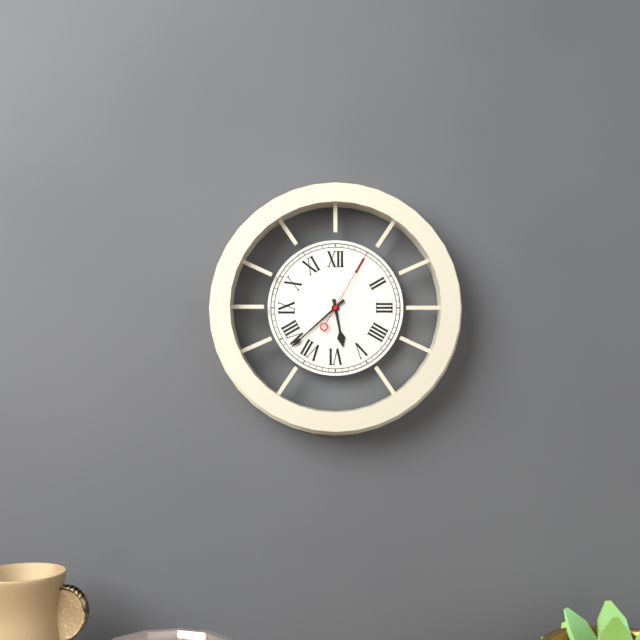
5h38m05s
